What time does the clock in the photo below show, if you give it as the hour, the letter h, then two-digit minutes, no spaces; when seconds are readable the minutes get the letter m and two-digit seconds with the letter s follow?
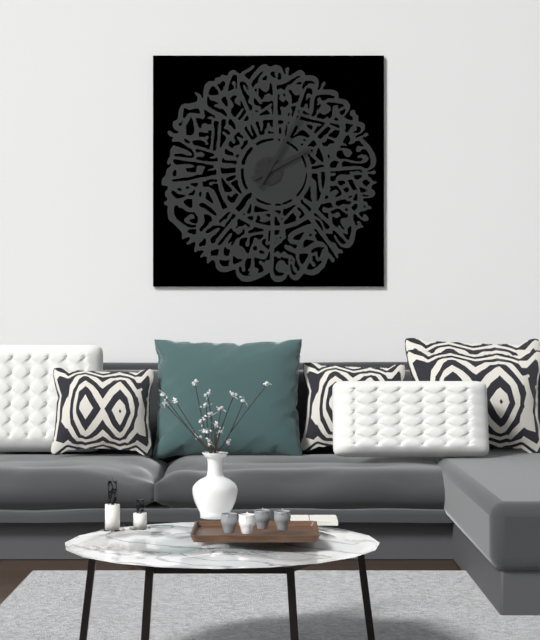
2h05
